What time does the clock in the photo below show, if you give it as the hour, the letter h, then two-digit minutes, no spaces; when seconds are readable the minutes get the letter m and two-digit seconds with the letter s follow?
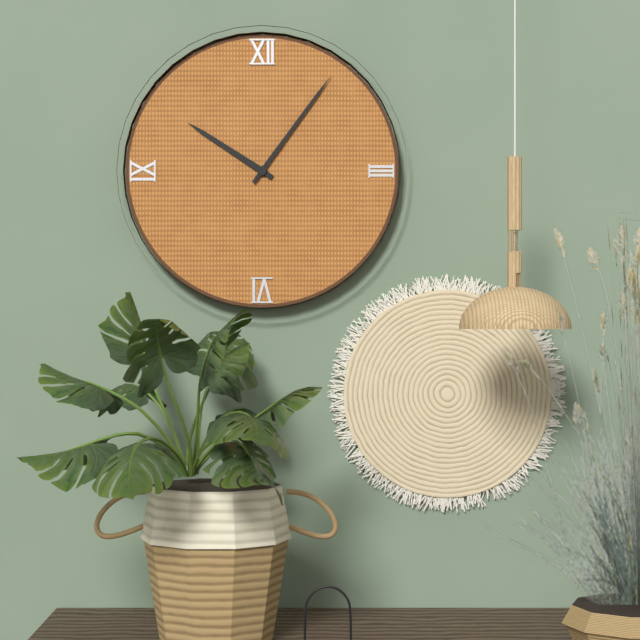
10h06
